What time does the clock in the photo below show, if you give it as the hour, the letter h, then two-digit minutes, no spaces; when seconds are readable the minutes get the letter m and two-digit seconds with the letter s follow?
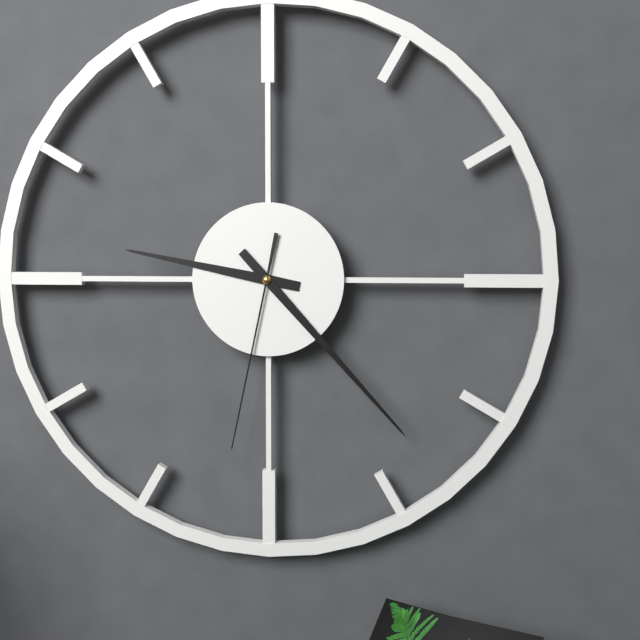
9h23m32s
